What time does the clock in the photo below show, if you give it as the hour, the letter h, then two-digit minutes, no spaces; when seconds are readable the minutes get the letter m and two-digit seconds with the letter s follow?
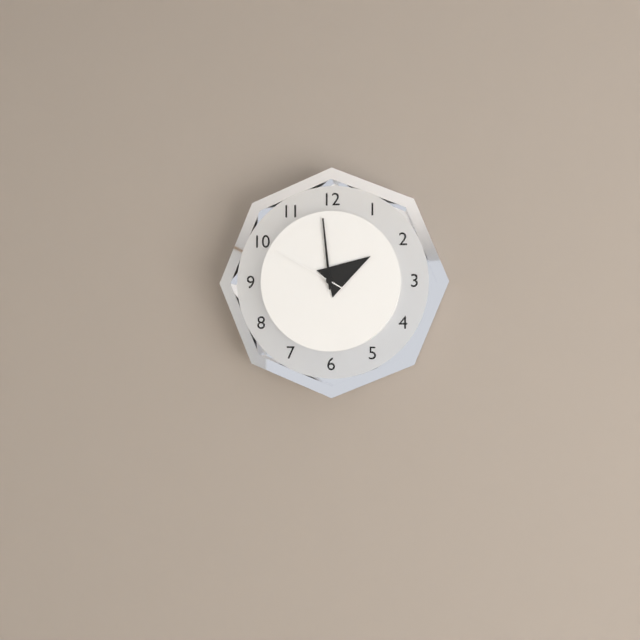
1h59m50s
